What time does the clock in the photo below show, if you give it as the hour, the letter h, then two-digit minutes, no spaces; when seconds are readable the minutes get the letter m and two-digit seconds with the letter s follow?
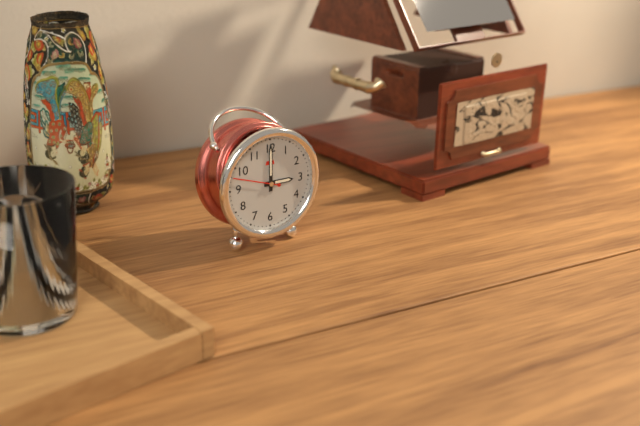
3h00
